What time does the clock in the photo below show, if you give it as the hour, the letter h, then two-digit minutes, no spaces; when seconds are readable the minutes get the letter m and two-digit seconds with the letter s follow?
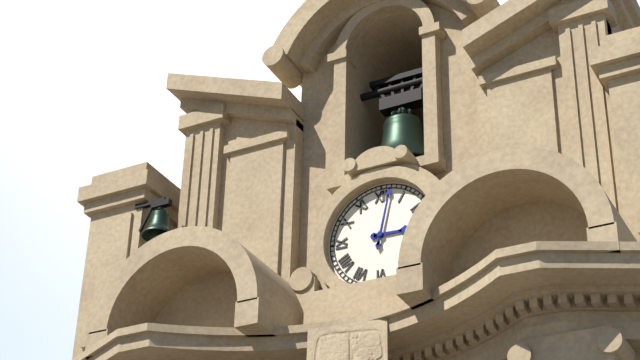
3h02
